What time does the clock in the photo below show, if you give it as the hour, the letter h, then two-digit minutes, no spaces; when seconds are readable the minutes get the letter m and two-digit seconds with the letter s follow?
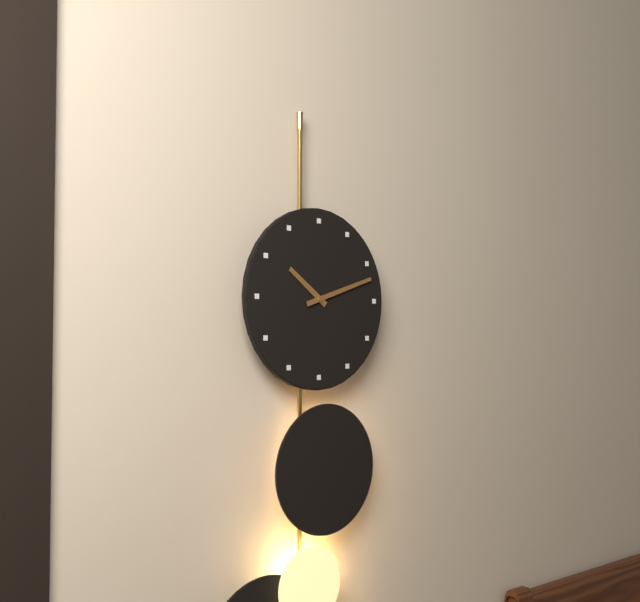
10h12
